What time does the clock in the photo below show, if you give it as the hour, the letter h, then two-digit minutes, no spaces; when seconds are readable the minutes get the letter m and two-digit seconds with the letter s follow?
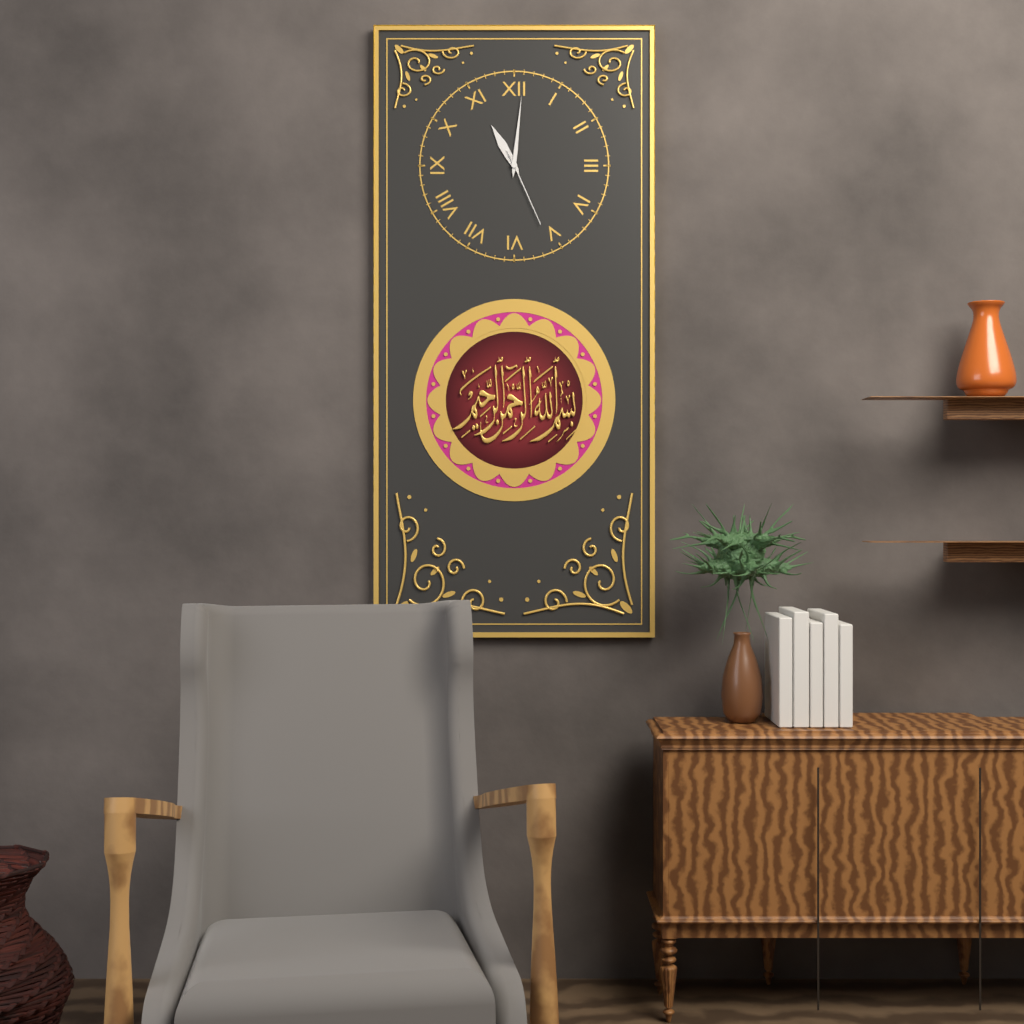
11h01m26s
